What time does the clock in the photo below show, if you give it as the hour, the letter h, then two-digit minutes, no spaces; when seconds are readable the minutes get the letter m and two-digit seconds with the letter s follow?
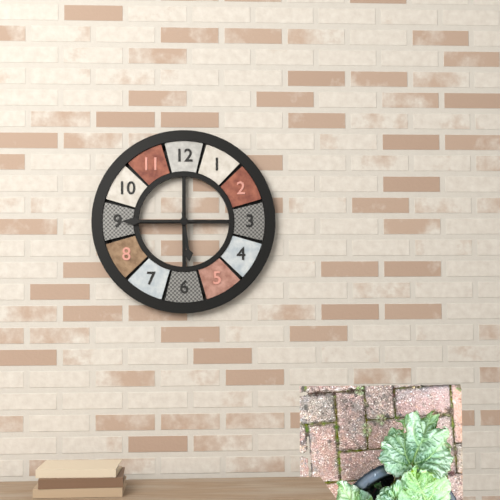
5h45
